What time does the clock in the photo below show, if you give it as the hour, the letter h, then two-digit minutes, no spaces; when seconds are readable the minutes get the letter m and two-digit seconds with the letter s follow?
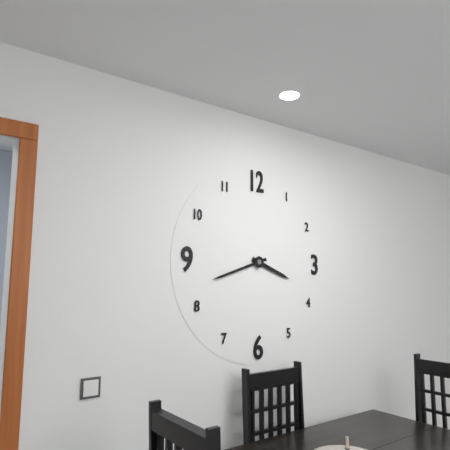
3h42
